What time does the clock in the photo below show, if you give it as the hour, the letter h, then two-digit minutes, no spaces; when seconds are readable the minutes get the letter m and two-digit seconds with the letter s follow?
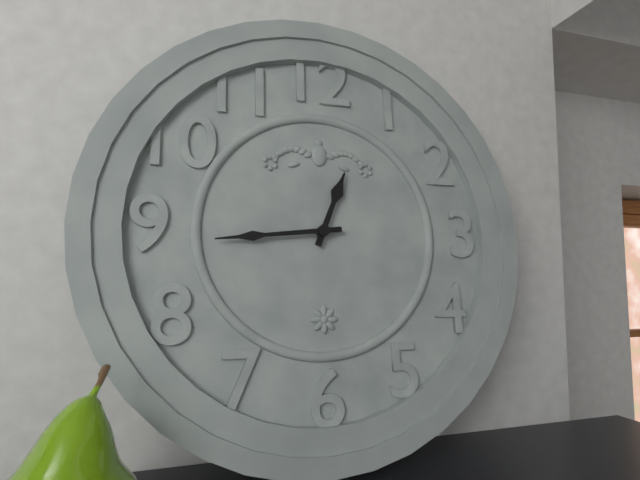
12h44
